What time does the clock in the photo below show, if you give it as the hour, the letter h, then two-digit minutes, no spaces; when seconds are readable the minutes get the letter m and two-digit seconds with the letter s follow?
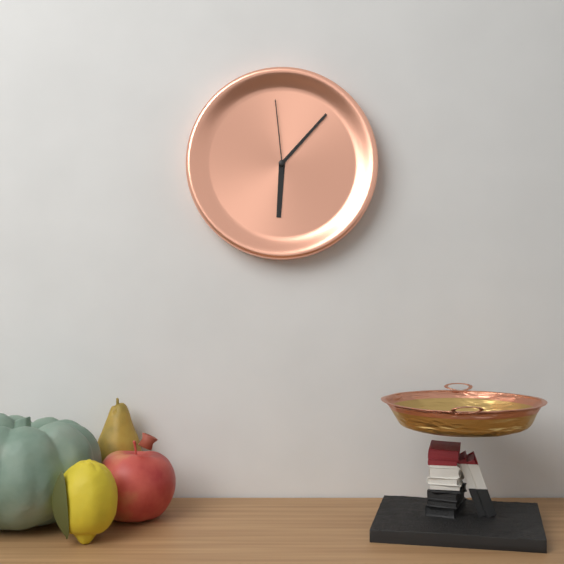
6h07m59s
